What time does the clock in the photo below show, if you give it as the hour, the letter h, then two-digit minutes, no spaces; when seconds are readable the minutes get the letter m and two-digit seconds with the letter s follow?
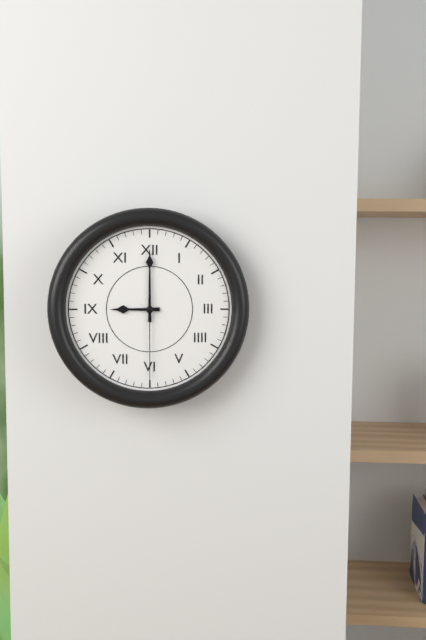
9h00m30s
